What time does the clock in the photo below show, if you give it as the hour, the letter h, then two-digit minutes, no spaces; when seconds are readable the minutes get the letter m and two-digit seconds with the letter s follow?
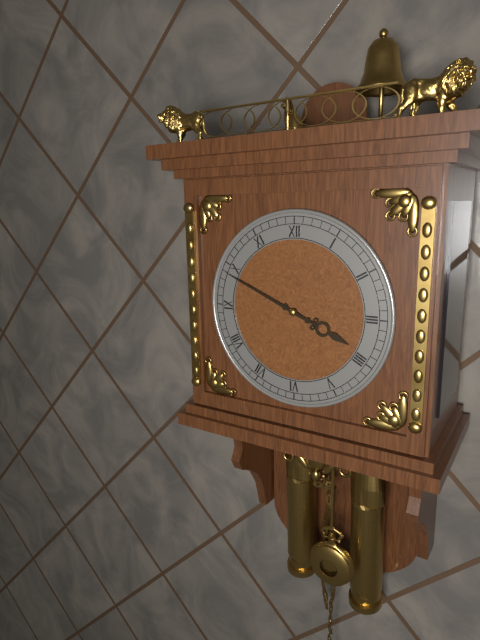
3h49
